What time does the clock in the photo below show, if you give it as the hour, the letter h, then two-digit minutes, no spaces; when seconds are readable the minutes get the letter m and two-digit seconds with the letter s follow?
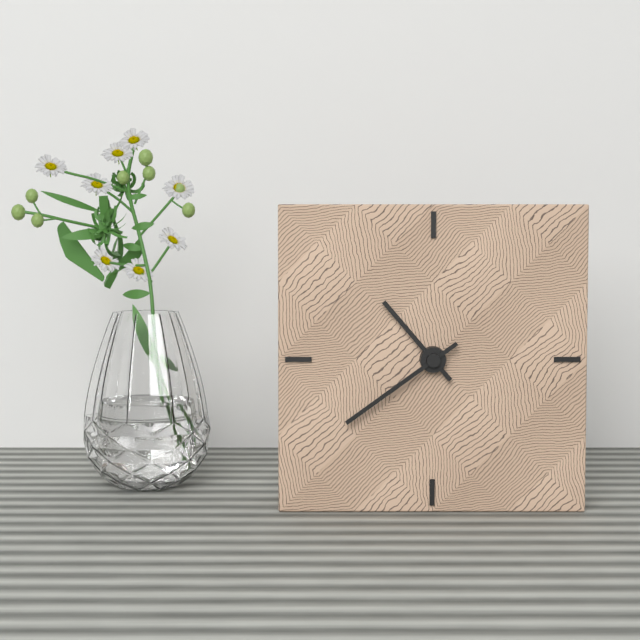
10h39
